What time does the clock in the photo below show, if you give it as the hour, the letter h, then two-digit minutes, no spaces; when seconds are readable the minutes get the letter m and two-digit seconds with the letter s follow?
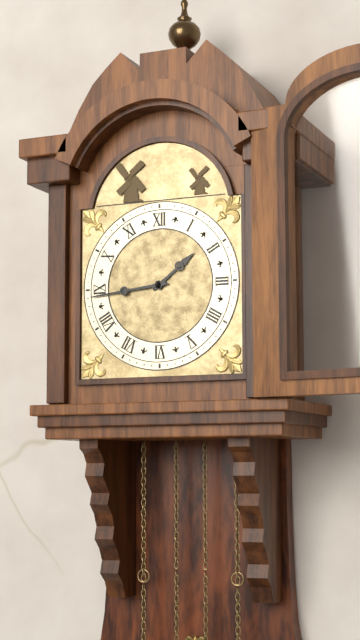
1h44
